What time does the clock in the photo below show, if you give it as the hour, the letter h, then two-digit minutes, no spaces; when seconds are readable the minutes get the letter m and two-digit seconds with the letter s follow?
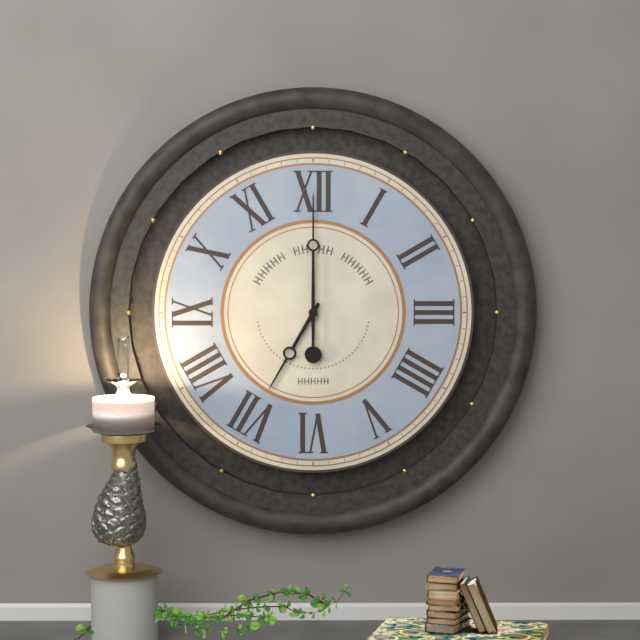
7h00
